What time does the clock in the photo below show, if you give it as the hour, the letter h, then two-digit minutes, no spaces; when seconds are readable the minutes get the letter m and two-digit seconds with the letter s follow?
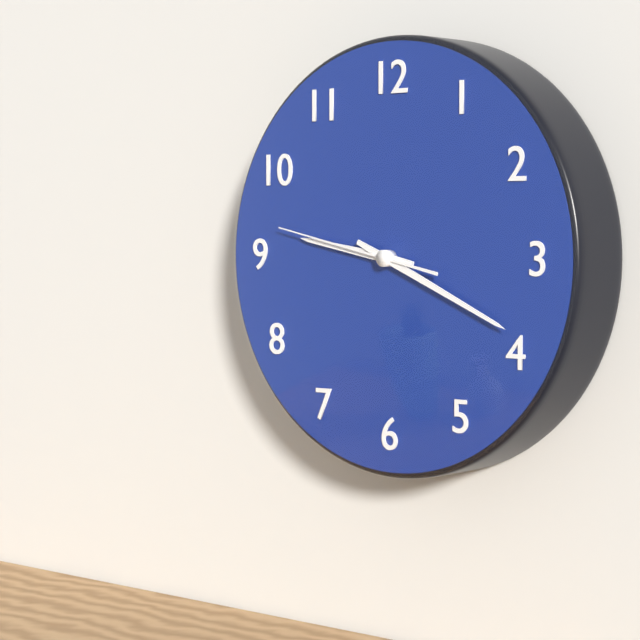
9h19m47s
